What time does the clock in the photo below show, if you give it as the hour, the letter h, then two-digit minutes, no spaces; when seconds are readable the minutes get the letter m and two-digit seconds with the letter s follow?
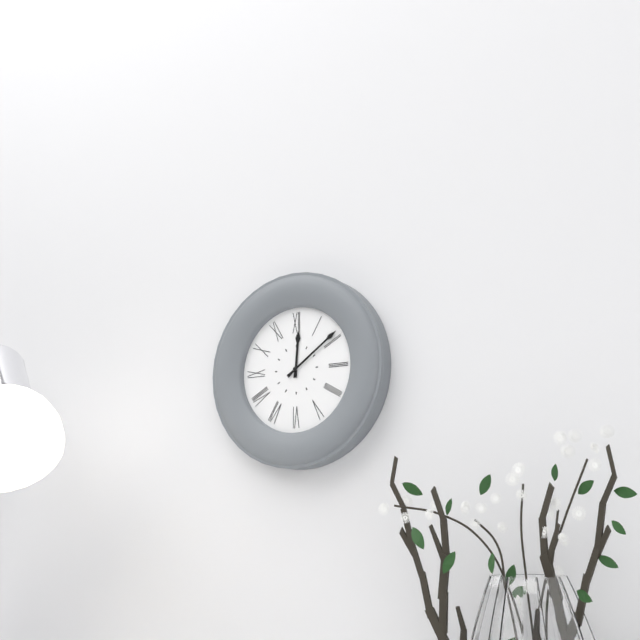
12h09
